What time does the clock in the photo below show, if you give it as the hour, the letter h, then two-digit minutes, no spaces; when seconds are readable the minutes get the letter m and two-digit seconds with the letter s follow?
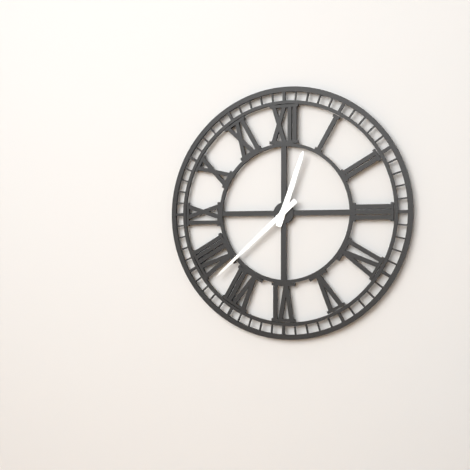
12h38
